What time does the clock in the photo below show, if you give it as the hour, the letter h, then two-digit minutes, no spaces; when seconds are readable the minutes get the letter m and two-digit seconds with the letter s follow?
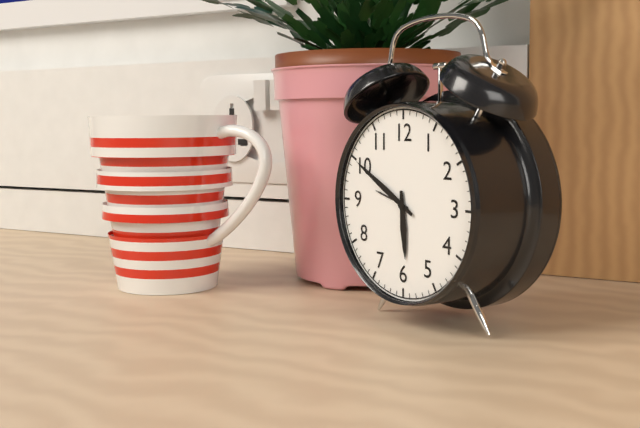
5h50
